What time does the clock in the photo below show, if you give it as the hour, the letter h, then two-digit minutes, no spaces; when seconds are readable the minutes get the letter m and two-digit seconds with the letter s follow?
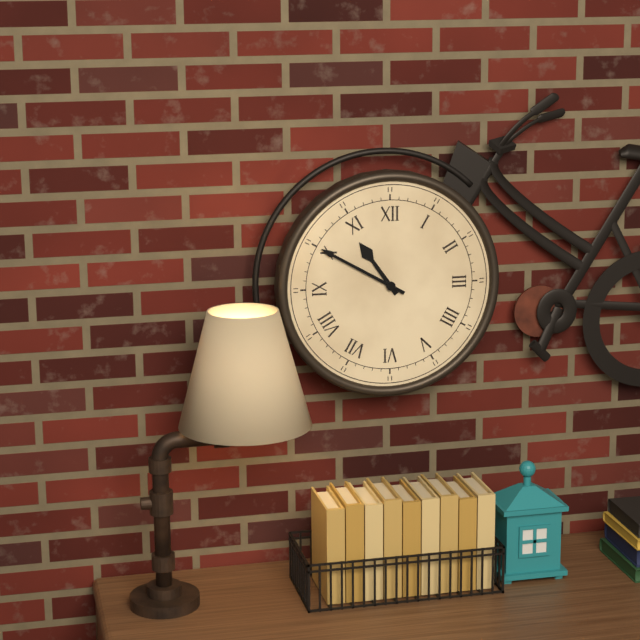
10h50
